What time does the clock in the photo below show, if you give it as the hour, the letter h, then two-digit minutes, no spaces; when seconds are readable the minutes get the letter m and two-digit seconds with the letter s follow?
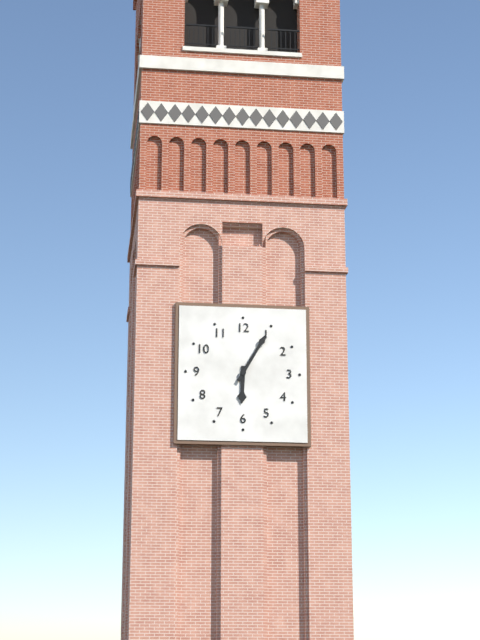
6h05
